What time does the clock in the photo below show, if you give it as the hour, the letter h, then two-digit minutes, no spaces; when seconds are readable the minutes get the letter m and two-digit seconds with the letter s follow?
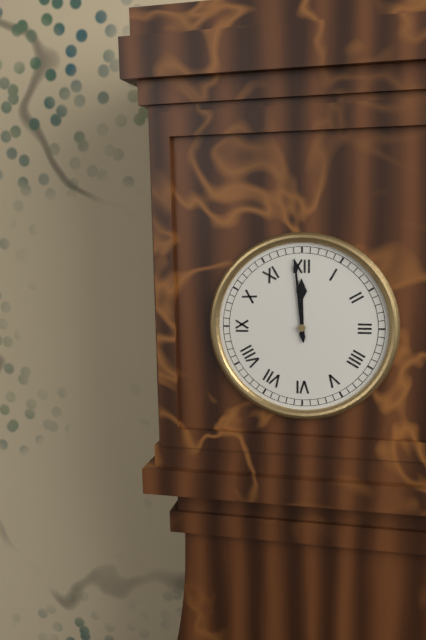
11h59
